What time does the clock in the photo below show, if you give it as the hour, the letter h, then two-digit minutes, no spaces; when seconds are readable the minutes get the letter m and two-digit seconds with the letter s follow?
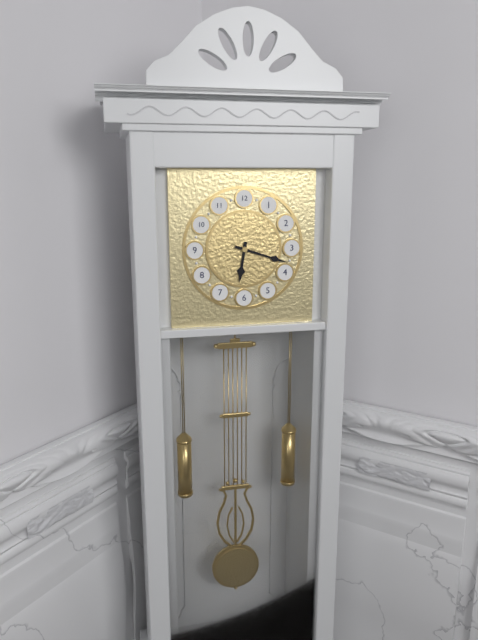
6h18
